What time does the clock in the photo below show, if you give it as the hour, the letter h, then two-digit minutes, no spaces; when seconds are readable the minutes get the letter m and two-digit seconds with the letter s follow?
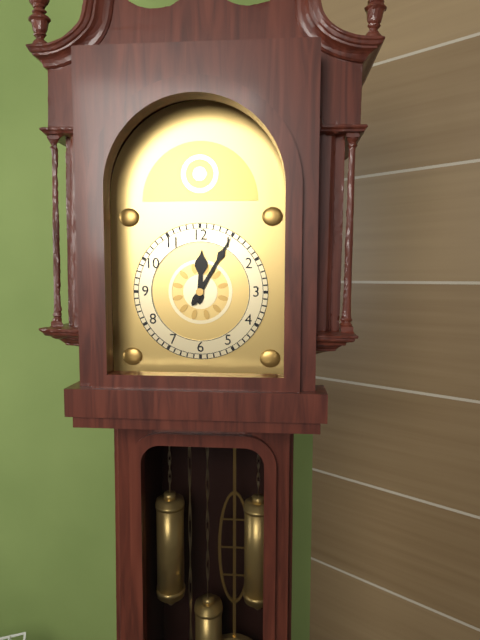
12h05
